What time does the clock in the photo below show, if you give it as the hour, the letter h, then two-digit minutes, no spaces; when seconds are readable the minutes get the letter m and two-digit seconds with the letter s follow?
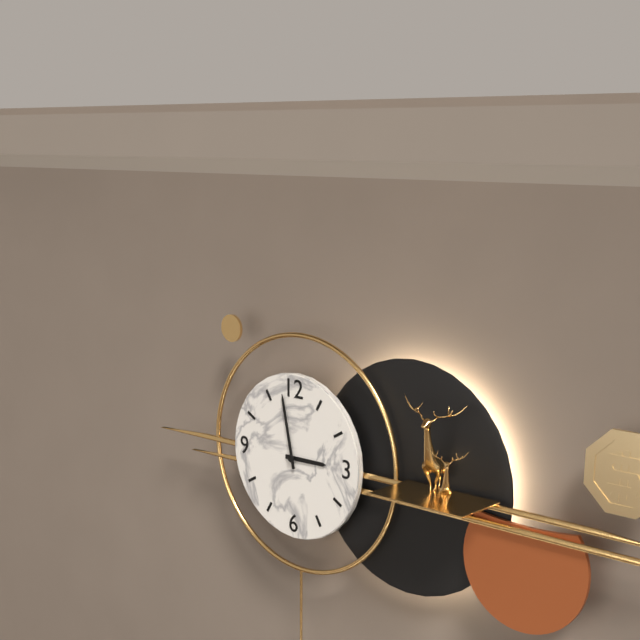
2h58
